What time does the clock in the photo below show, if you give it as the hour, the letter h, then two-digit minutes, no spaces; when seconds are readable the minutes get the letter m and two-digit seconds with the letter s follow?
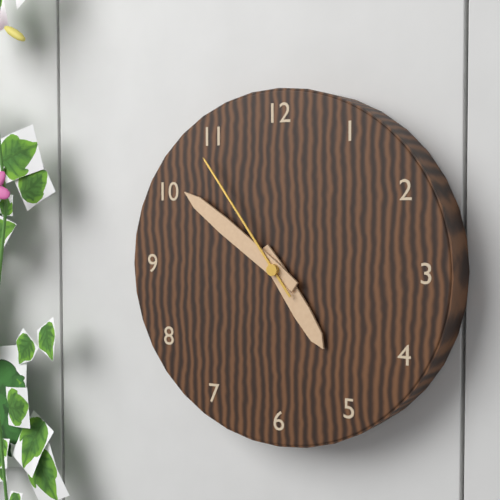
4h51m54s
